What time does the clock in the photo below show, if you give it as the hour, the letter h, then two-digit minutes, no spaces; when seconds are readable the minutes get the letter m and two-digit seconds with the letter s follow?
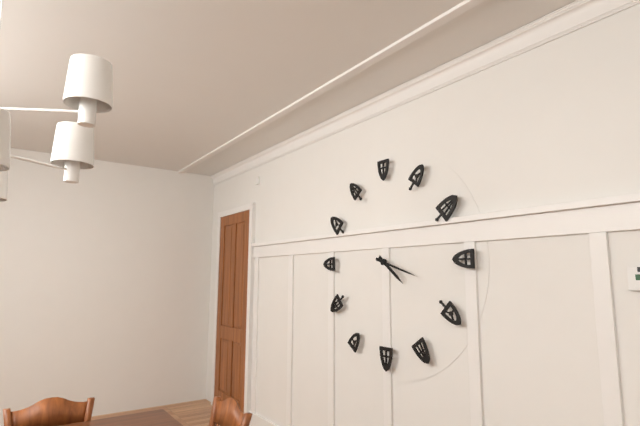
4h18
